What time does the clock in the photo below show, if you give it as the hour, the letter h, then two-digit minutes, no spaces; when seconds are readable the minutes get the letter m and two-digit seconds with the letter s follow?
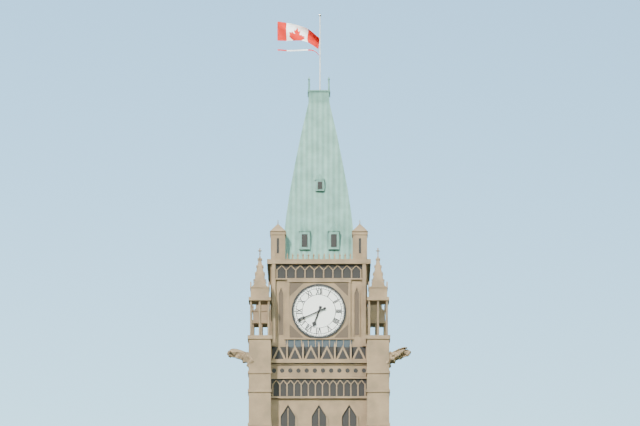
6h41
